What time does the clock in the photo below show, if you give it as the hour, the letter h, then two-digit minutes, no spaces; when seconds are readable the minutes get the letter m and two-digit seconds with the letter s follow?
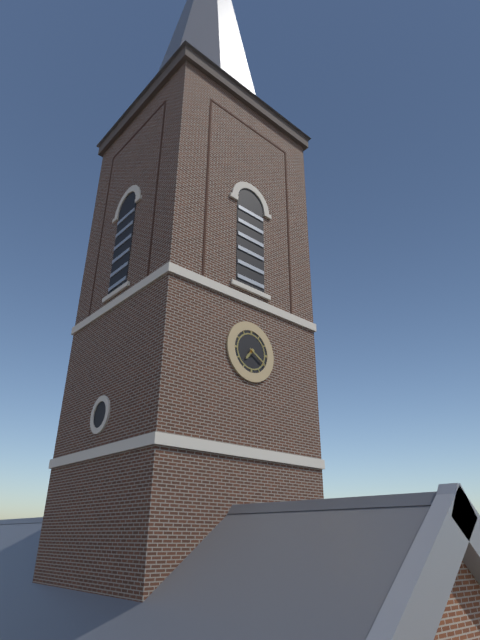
7h20
